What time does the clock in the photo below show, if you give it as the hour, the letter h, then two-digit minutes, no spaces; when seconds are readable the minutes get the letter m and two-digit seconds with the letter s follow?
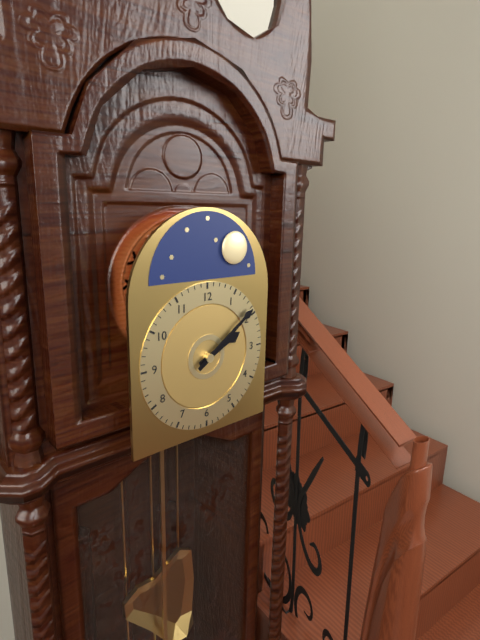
2h09
